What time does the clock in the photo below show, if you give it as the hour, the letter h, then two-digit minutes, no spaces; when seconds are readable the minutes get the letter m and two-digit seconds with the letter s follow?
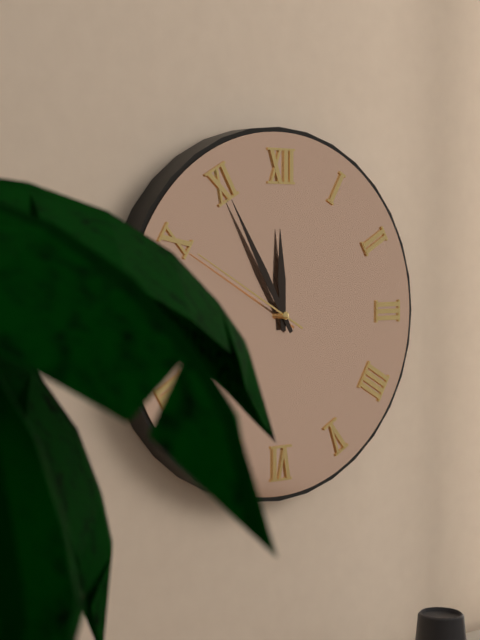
11h55m50s
